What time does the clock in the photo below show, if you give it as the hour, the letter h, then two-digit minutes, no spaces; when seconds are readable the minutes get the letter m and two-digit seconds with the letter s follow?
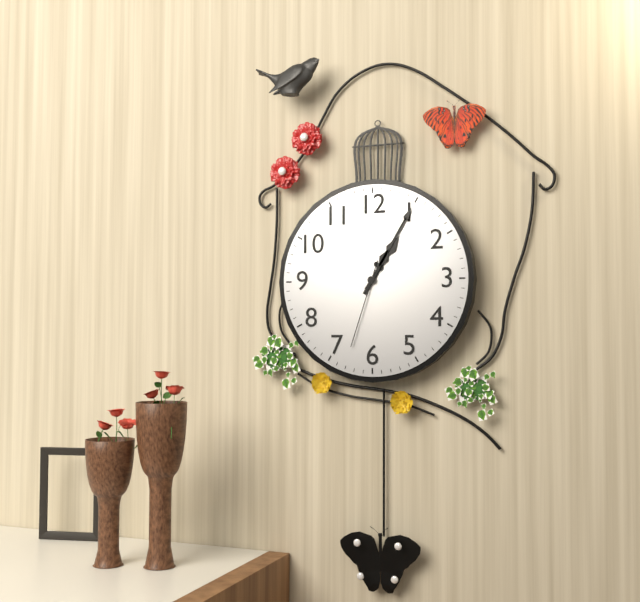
1h05m33s
